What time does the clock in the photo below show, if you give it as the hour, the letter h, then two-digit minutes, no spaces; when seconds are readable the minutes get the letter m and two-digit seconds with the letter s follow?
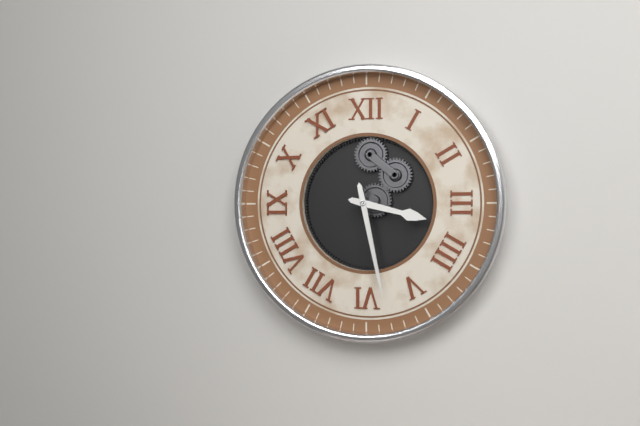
3h28
